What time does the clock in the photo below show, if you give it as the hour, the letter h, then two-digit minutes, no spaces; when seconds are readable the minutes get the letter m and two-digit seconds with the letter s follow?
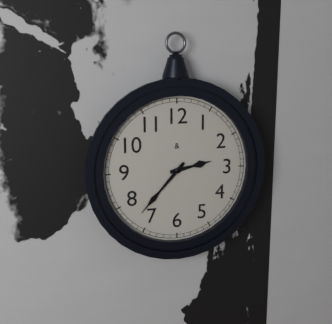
2h37
